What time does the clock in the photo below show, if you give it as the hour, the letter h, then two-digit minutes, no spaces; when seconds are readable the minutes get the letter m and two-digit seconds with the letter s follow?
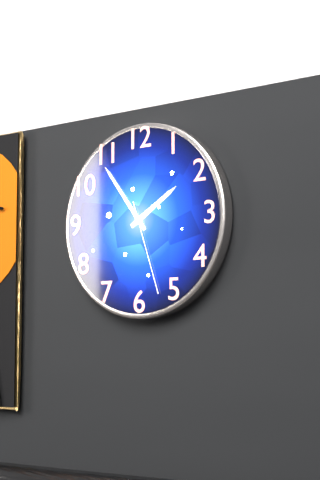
1h54m27s
